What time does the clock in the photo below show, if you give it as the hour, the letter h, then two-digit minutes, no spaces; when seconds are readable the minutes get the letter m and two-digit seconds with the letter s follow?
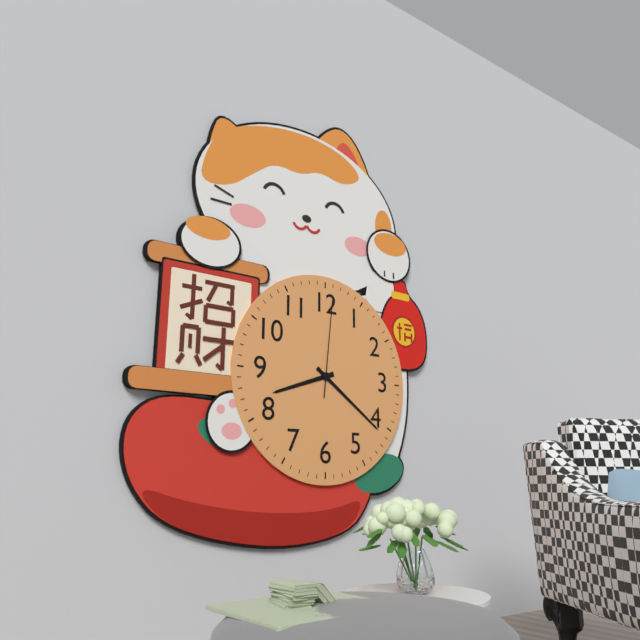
8h21m01s
